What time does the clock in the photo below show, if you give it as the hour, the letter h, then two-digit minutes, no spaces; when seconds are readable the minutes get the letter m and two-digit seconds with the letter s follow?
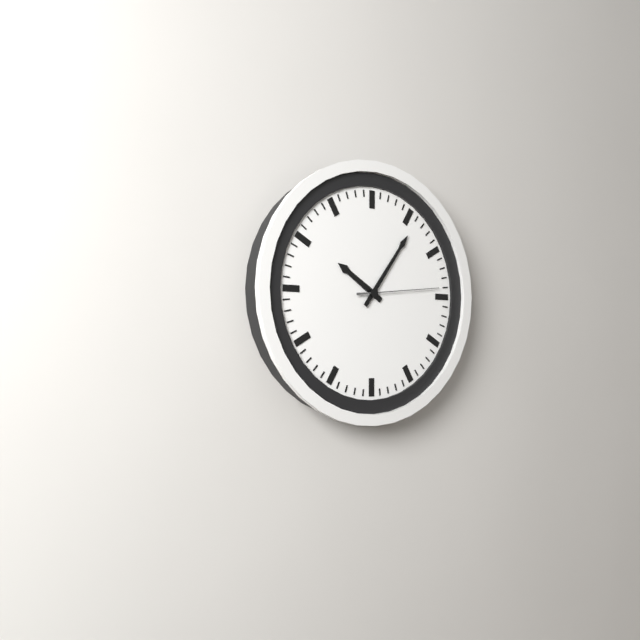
10h06m14s
